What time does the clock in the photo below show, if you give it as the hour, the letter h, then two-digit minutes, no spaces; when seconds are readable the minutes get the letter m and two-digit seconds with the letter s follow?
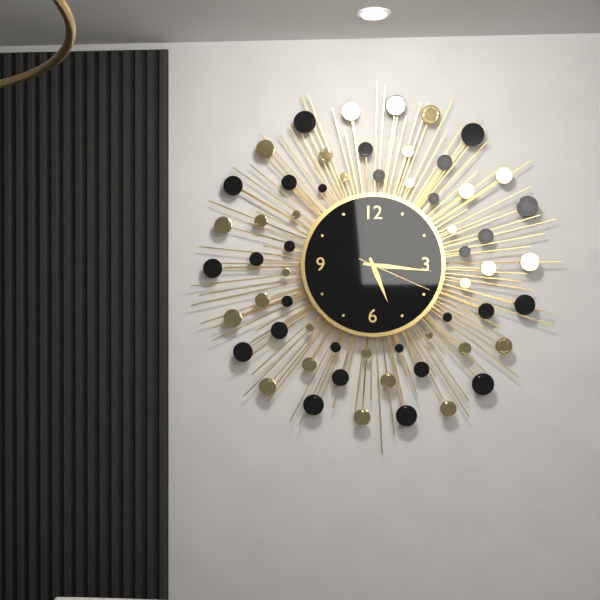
5h16m19s
